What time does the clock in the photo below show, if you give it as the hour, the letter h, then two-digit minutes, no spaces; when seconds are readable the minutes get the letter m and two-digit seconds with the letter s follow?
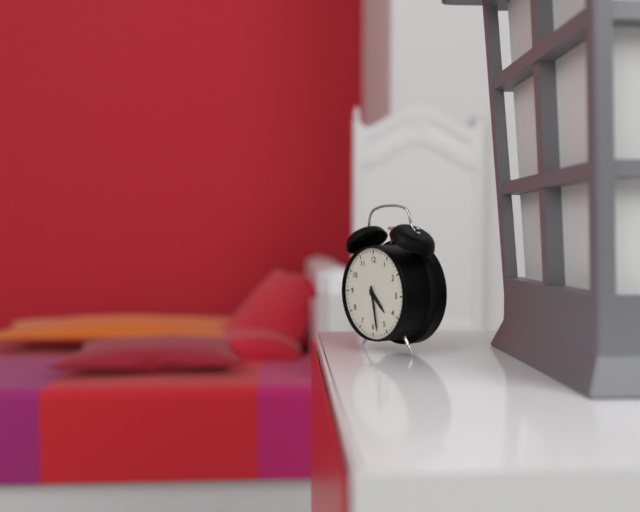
4h28
